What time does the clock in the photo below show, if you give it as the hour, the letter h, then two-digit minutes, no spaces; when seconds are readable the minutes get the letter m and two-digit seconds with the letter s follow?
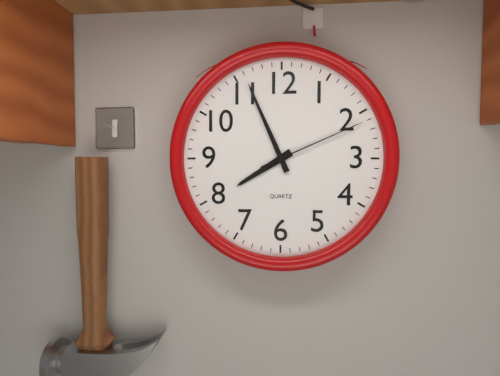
7h56m11s
